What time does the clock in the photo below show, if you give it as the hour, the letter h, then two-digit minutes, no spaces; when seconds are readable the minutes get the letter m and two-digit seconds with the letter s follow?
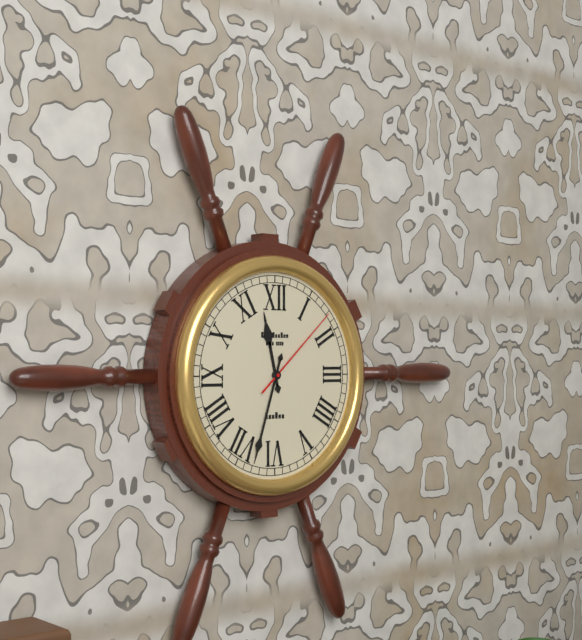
11h33m08s
